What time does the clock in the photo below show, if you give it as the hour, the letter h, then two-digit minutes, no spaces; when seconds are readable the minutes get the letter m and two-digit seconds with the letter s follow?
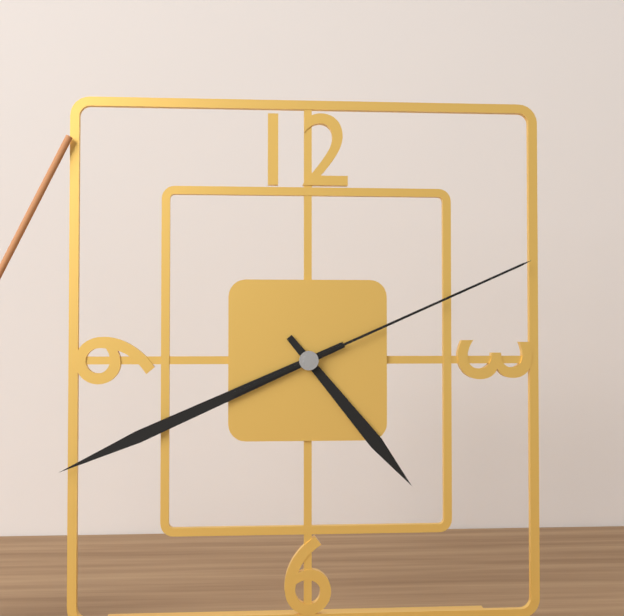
4h41m11s
